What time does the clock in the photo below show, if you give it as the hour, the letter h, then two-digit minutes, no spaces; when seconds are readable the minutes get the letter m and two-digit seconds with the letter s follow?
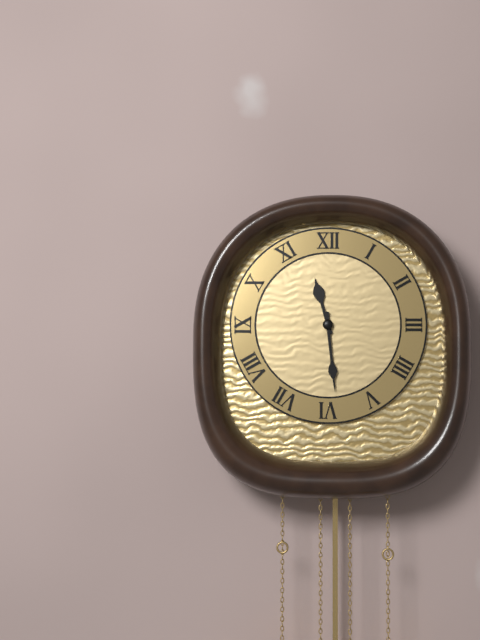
11h29
